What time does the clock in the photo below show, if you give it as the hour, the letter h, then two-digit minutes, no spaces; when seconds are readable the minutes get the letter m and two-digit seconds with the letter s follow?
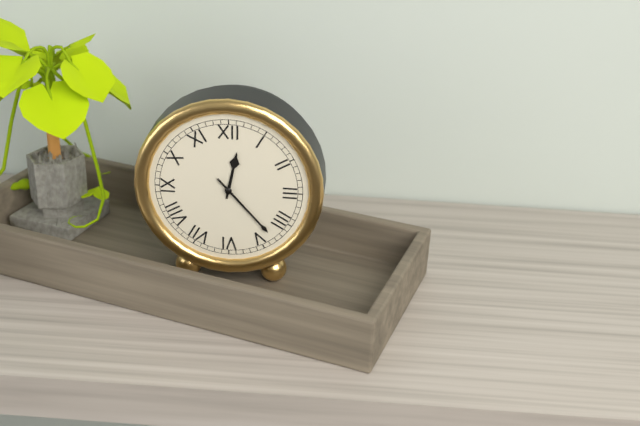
12h23
